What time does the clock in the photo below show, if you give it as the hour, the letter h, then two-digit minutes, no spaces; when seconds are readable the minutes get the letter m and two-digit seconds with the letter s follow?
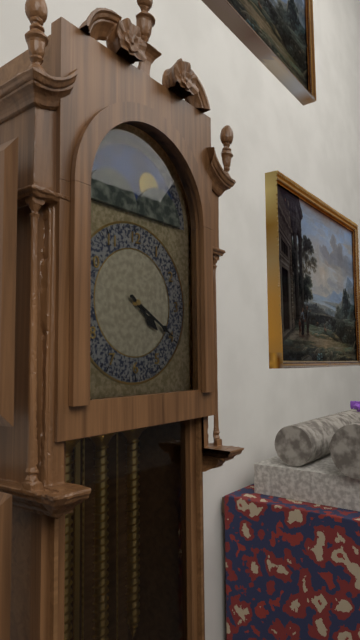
4h20
